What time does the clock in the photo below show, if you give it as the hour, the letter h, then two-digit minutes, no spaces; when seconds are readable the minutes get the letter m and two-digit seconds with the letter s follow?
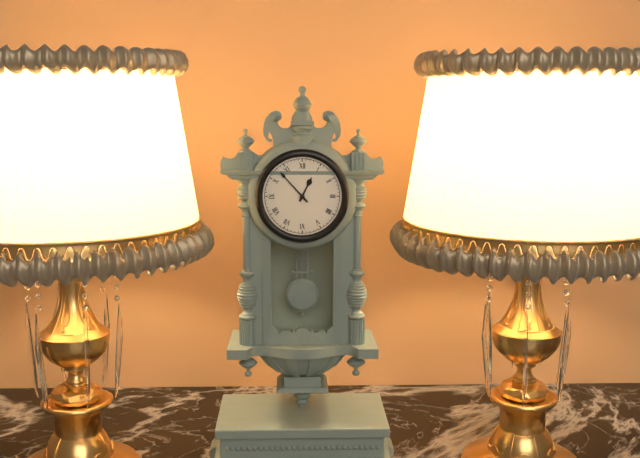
12h53
